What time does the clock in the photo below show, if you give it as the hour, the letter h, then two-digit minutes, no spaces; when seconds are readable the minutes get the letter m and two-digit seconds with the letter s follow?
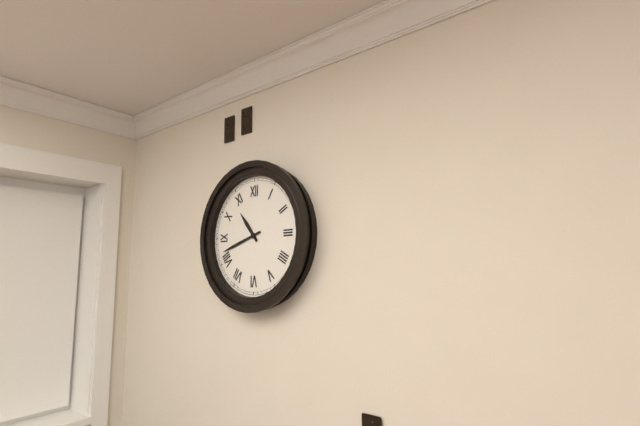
10h42
